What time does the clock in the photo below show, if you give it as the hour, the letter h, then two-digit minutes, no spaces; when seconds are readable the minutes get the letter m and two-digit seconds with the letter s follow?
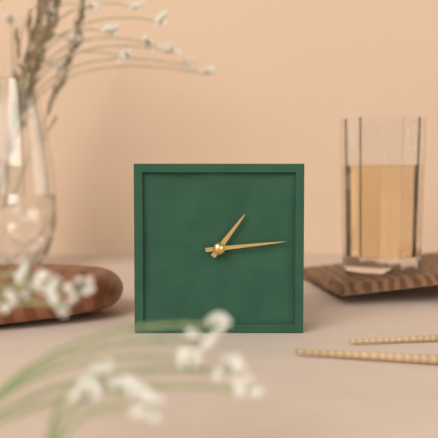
1h14
